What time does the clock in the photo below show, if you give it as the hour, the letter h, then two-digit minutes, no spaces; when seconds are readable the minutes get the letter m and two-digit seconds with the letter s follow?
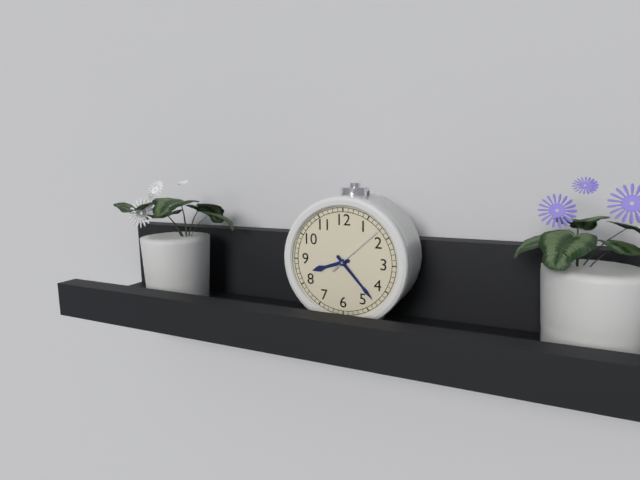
8h23m08s
